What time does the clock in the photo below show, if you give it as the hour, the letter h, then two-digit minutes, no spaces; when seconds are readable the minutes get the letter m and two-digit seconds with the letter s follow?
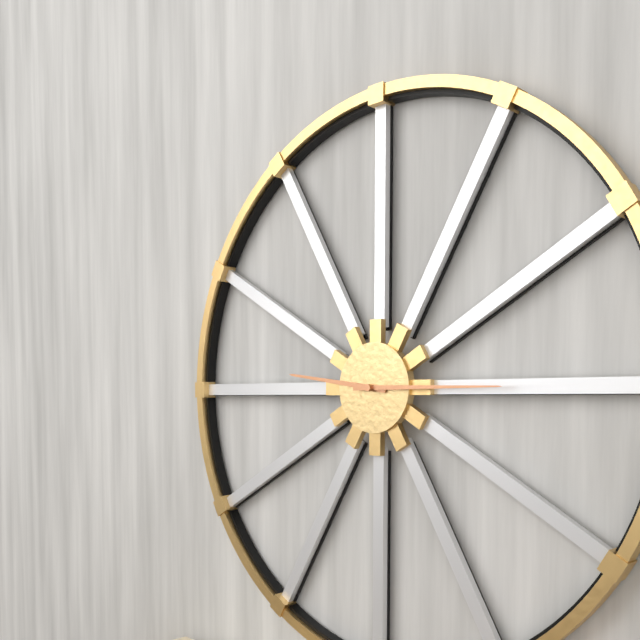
9h15
